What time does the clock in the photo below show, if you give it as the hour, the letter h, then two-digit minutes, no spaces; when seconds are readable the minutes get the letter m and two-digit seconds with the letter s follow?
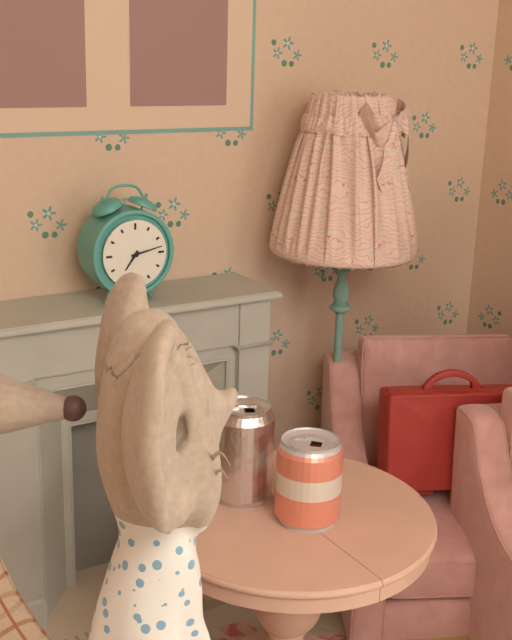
7h13
